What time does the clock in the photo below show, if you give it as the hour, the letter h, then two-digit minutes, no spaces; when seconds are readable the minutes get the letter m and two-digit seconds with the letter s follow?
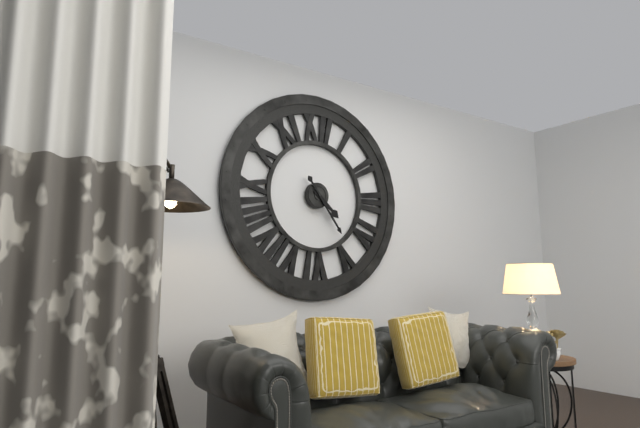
4h24
